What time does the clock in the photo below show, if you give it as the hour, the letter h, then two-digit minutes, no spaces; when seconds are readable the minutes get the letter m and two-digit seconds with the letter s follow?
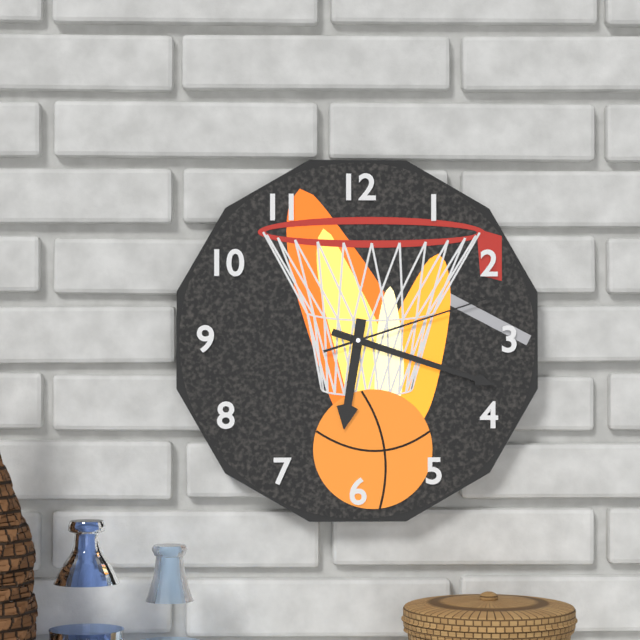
6h18m12s
